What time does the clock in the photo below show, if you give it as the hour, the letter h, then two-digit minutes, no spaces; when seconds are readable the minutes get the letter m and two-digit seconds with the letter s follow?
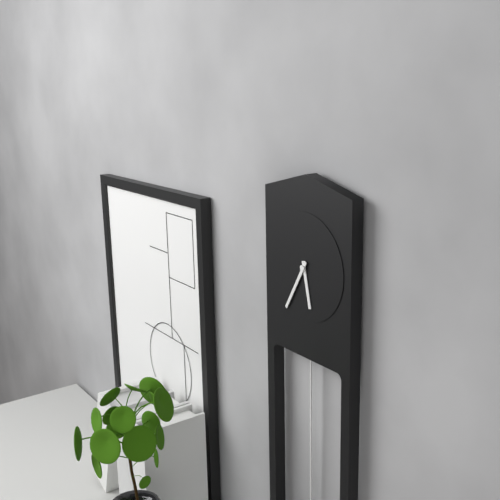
5h35
